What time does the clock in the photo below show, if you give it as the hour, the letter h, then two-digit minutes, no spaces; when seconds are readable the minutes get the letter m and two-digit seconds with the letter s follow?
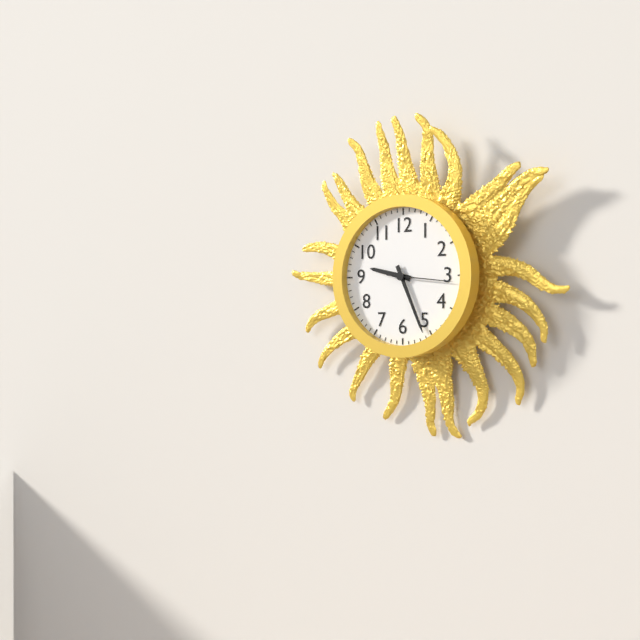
9h26m16s
